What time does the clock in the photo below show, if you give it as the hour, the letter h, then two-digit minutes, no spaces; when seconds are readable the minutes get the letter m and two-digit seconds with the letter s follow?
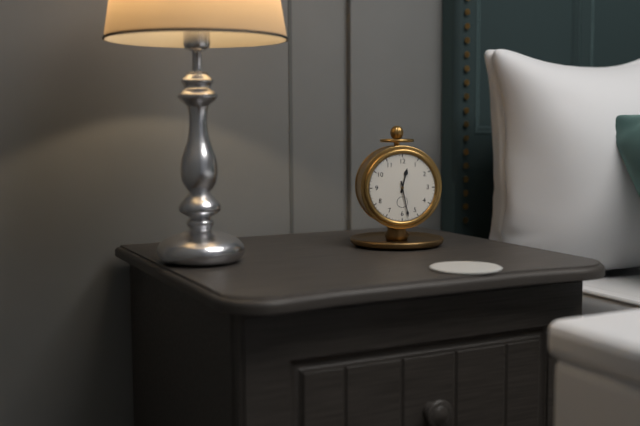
12h28
